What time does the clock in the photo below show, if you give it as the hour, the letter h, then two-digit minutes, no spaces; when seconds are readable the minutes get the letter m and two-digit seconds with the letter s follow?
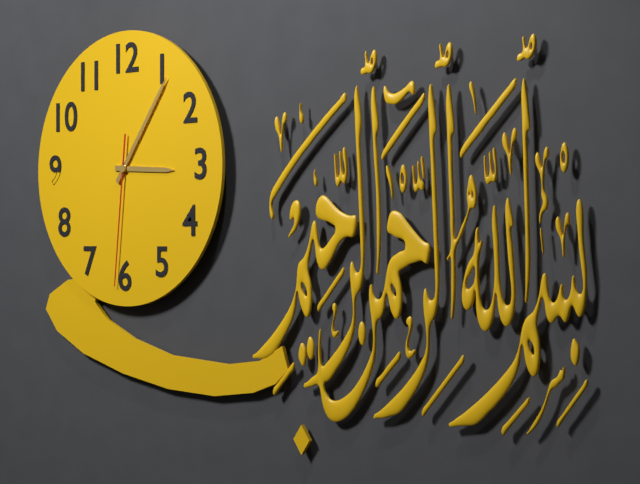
3h06m31s
